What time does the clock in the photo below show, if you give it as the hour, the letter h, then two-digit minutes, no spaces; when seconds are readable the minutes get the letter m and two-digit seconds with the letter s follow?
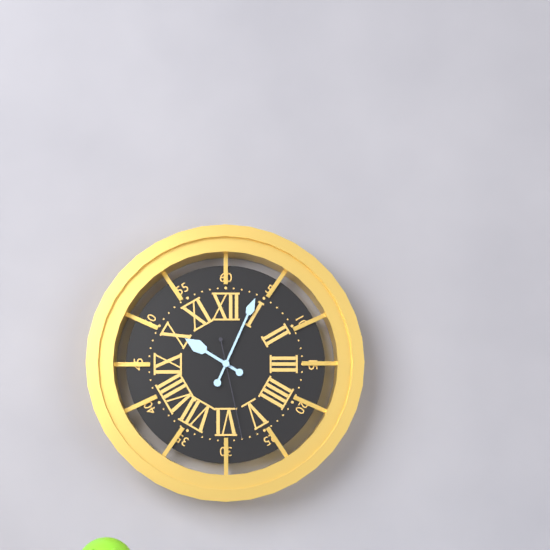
10h04m28s
